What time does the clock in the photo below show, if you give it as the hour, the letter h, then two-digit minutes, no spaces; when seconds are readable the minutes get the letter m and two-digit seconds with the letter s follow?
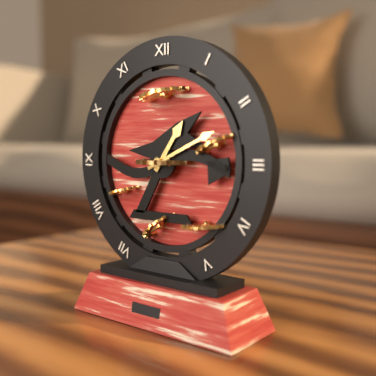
1h11
